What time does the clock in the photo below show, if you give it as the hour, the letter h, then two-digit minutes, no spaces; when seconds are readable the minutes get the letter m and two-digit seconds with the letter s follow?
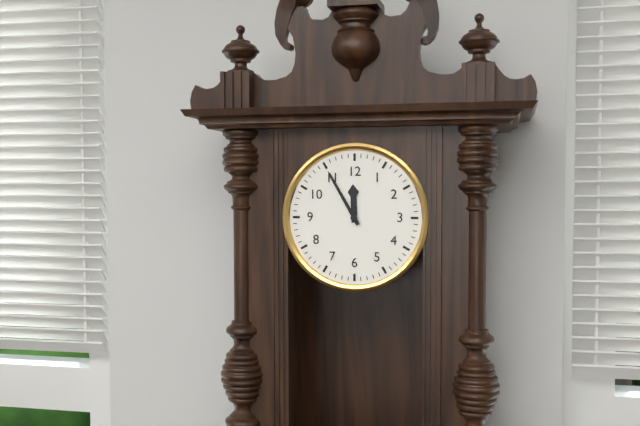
11h55
